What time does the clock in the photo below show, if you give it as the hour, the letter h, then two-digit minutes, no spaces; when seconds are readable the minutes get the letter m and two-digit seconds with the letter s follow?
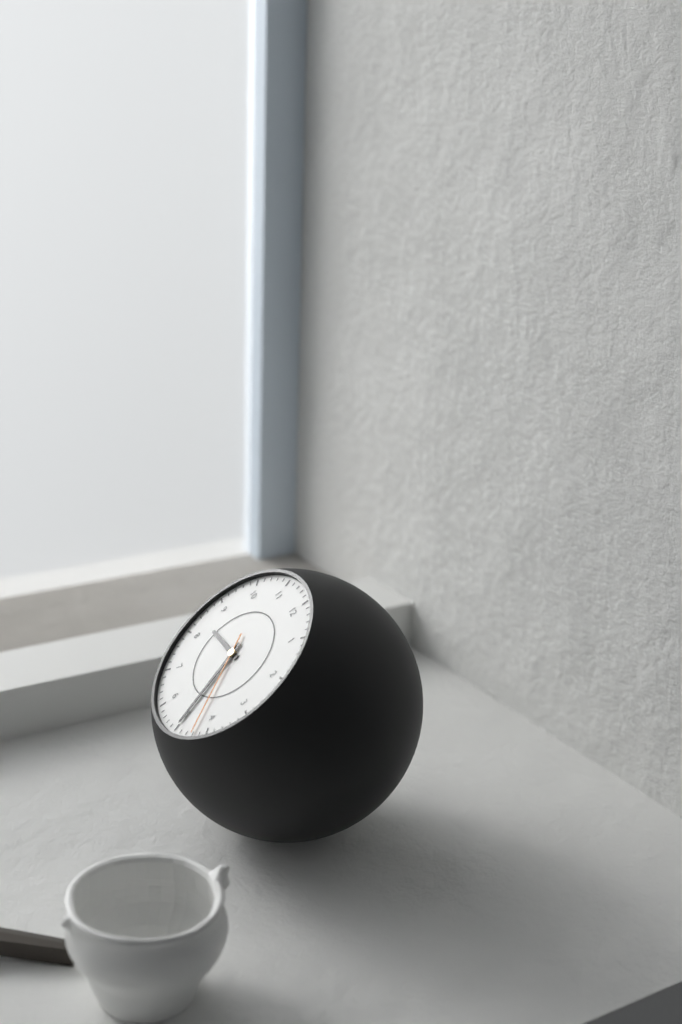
8h25m22s
